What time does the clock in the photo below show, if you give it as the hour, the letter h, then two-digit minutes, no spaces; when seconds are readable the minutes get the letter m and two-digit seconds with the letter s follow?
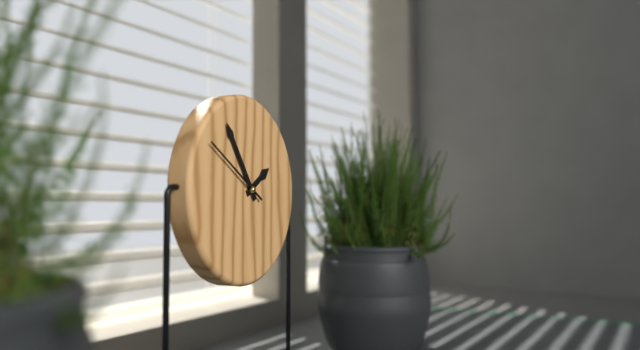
1h54m50s
